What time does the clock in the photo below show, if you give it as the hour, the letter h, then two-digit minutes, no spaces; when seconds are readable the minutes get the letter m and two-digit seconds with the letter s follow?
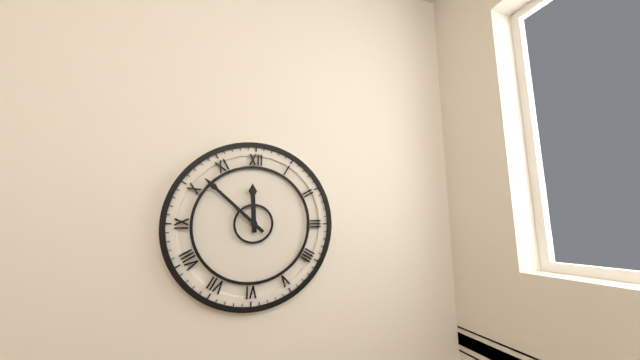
11h52
